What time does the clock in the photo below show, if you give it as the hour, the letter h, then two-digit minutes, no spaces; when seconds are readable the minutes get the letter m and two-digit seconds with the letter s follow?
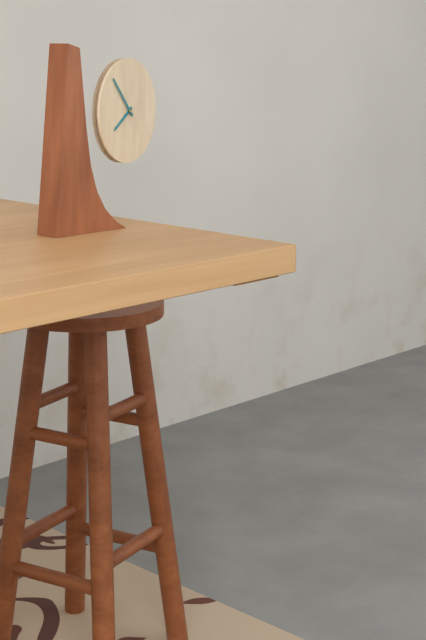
7h53
